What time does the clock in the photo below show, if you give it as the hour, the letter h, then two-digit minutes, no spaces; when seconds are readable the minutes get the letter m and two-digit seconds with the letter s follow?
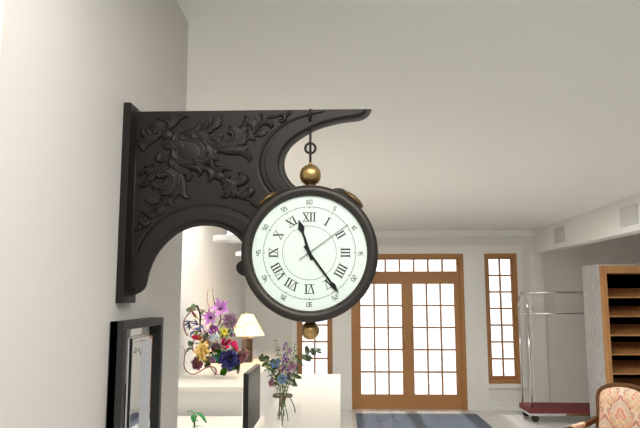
11h24m09s
